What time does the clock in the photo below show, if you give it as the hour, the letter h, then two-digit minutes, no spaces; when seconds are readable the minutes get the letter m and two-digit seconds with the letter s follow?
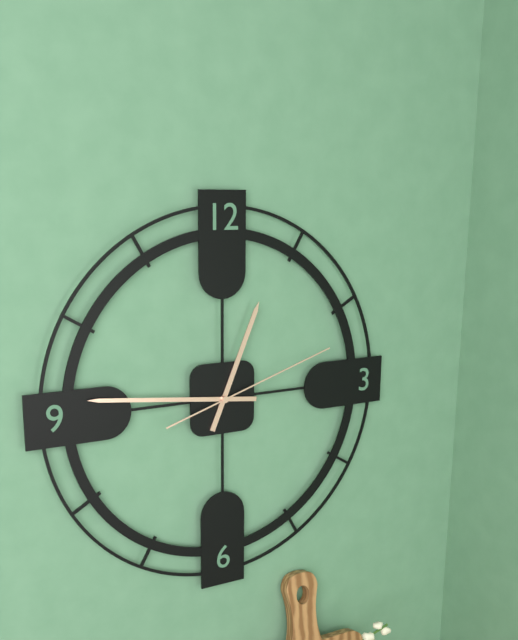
12h46m12s
